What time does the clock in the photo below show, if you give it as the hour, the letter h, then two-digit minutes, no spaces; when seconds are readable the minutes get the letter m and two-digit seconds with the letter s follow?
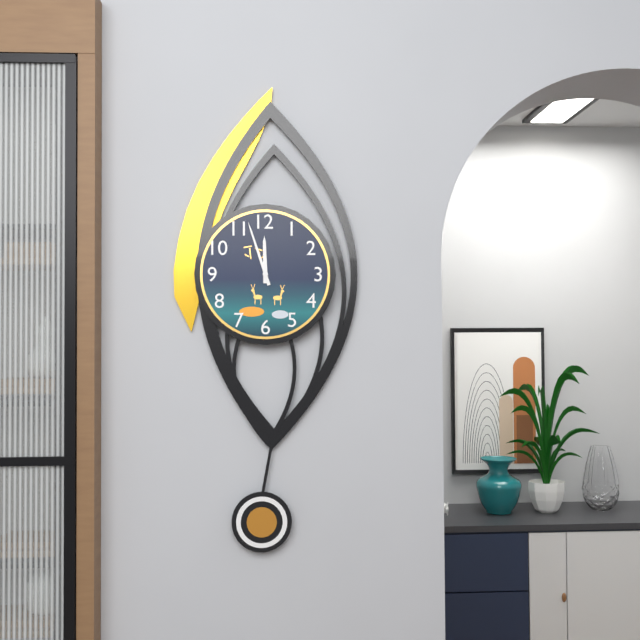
11h57
